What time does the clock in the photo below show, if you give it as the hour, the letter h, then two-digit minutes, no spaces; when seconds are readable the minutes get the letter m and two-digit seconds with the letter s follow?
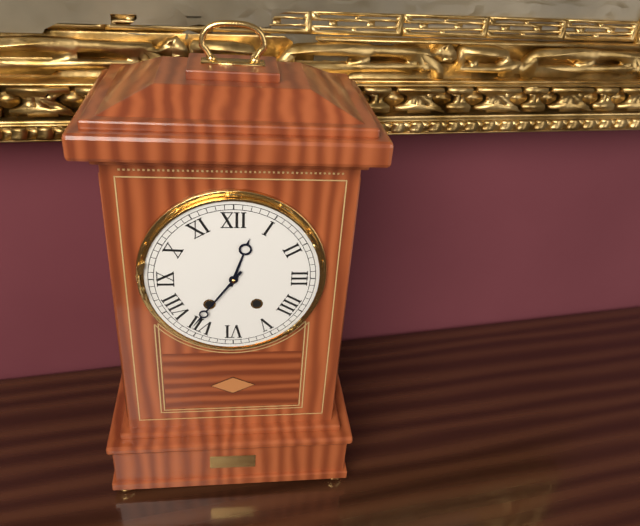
12h36
